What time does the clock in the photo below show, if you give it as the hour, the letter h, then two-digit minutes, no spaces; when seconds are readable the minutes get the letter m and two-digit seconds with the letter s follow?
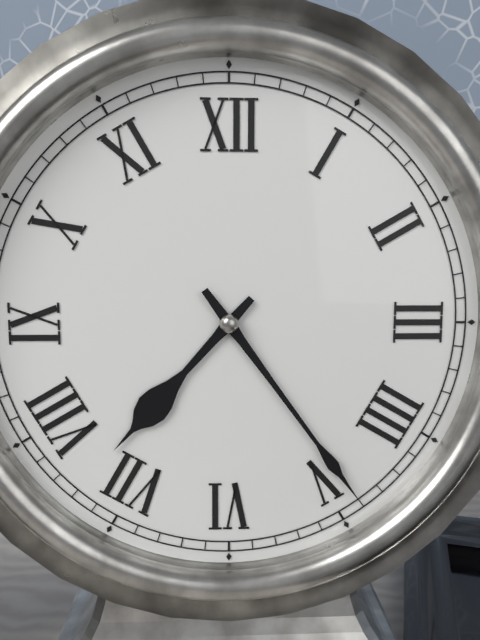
7h24
